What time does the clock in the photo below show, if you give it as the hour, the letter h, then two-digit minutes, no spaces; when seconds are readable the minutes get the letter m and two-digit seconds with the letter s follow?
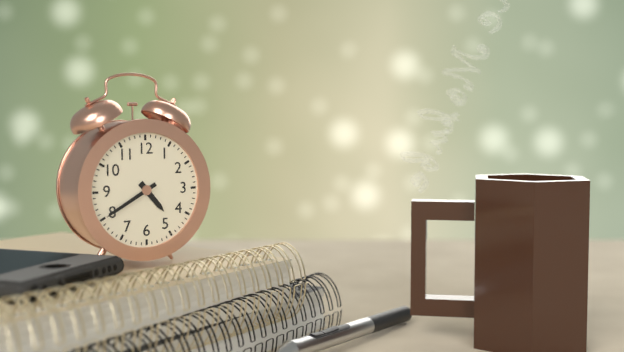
4h40
